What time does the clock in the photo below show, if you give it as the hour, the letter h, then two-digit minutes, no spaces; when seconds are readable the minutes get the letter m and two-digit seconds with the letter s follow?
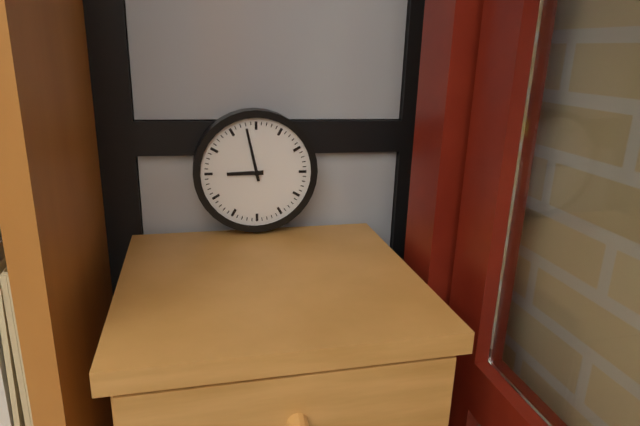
8h58
